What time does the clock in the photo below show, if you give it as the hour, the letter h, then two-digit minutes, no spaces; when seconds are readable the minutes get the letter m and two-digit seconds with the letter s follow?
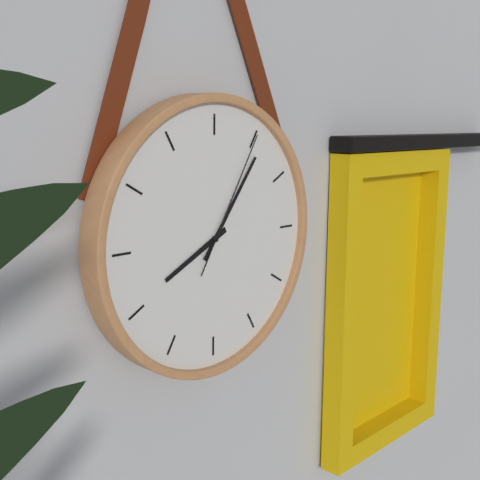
8h06m05s
